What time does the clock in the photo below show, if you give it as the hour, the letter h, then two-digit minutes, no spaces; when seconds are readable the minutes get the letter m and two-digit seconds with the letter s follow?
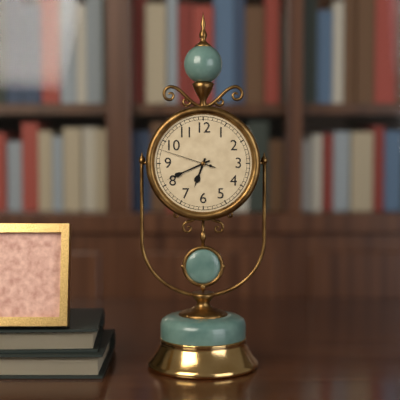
6h41m48s
